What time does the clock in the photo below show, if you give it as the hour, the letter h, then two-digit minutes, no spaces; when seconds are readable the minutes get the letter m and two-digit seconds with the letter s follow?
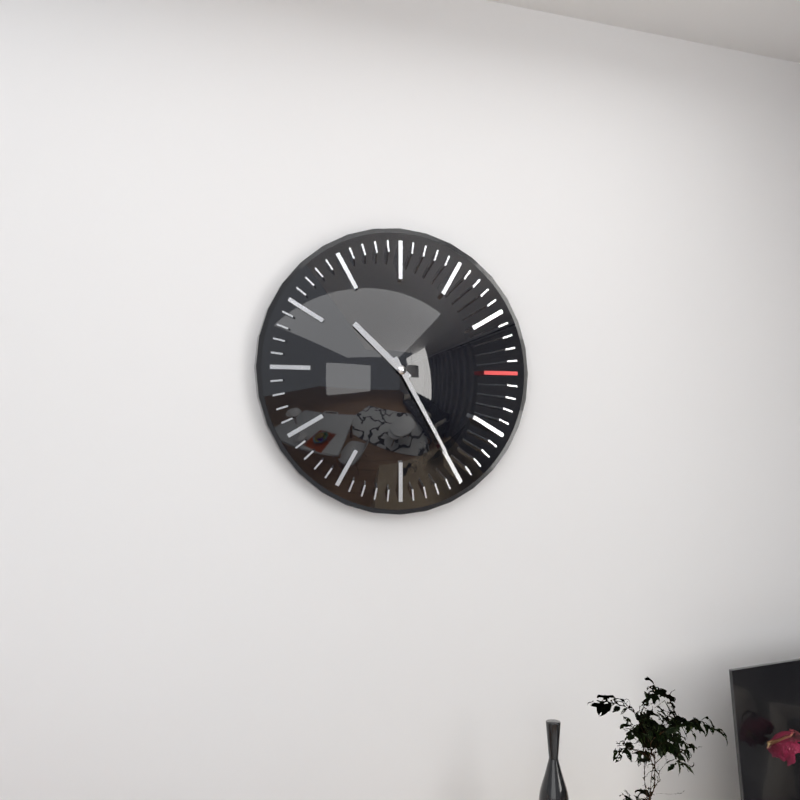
10h25
